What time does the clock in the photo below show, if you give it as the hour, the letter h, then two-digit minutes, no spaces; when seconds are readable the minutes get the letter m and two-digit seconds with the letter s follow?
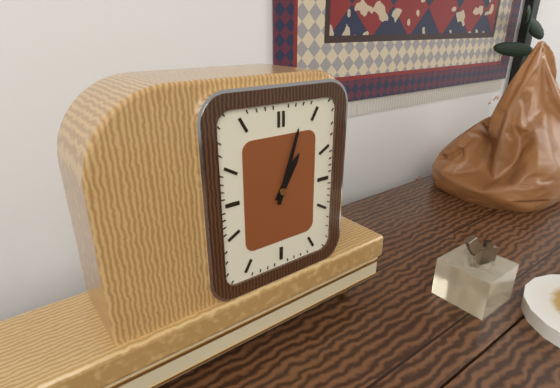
1h03
